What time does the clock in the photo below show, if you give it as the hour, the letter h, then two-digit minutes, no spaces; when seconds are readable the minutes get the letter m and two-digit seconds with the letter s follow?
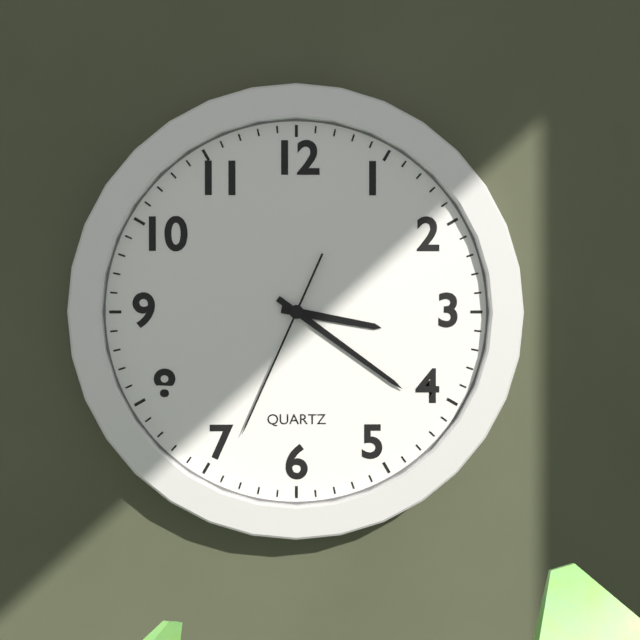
3h21m34s
